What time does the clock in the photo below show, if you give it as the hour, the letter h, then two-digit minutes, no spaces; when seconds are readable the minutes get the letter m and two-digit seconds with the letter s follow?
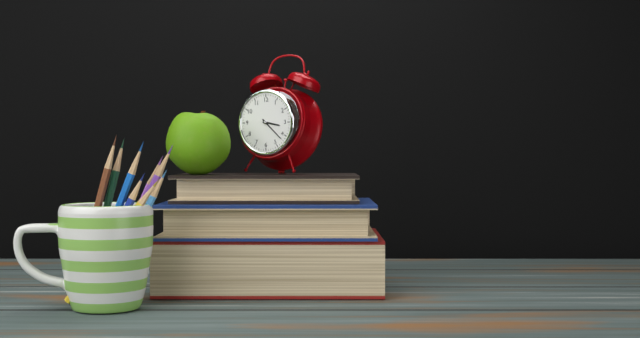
3h22
